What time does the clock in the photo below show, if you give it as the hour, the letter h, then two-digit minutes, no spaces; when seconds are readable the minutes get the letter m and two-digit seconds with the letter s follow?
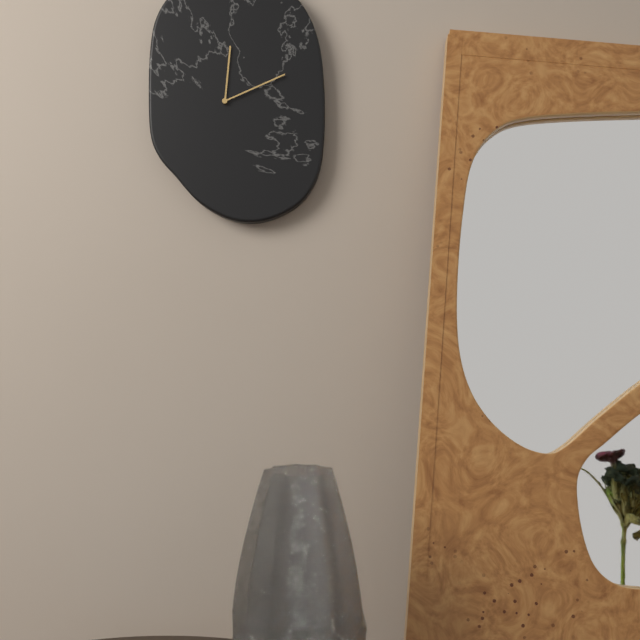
12h11
